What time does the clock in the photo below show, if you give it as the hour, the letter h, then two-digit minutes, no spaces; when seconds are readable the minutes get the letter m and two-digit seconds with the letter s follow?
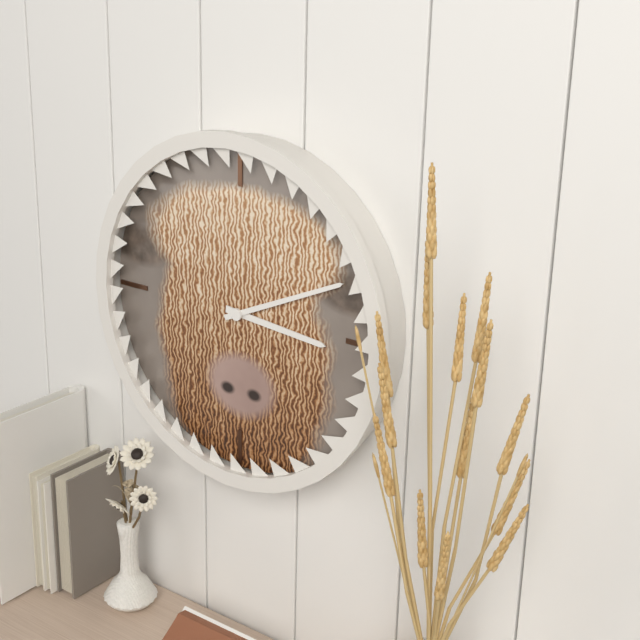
3h11
